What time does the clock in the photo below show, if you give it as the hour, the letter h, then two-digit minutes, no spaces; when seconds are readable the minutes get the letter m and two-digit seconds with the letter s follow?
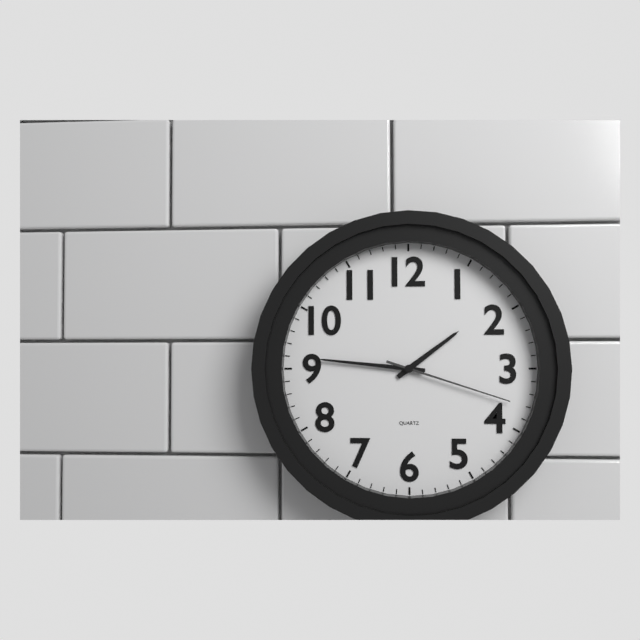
1h46m18s
